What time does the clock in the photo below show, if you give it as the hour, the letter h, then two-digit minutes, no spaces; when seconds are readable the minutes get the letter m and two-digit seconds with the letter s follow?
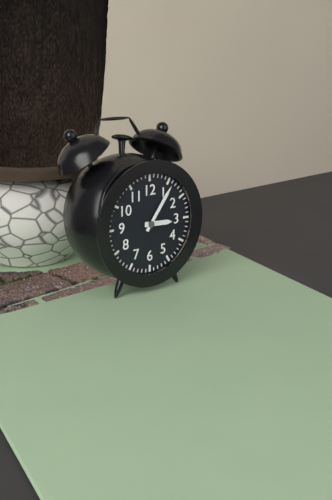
3h06
